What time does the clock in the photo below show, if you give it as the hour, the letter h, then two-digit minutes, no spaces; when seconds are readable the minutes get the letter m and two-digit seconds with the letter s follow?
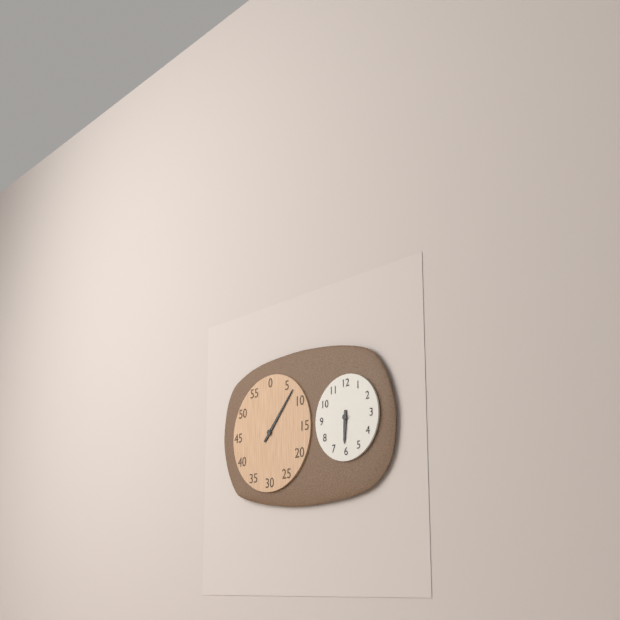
6h07
